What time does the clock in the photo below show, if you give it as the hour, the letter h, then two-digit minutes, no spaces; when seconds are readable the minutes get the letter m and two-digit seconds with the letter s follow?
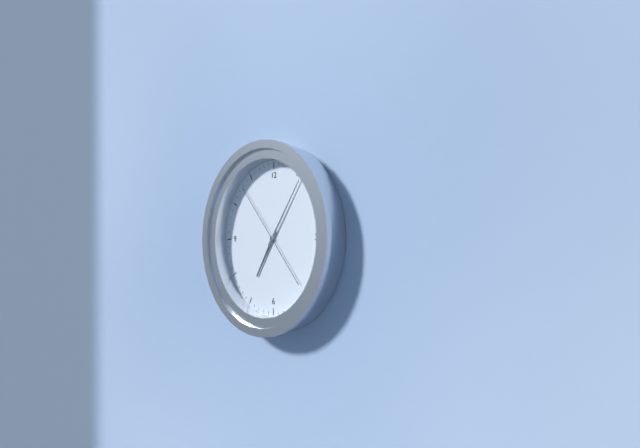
7h06m53s
